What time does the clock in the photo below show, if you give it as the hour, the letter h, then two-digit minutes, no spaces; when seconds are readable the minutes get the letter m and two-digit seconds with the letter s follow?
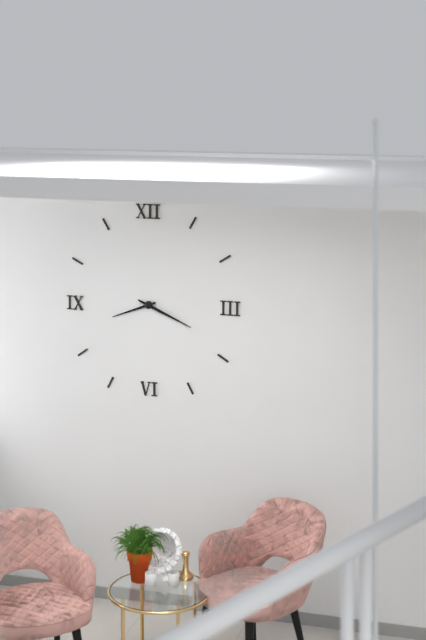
8h19
